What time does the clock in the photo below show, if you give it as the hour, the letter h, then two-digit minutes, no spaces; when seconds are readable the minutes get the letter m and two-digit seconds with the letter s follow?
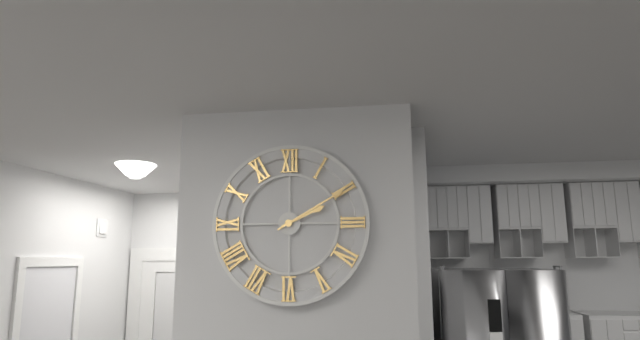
2h10
